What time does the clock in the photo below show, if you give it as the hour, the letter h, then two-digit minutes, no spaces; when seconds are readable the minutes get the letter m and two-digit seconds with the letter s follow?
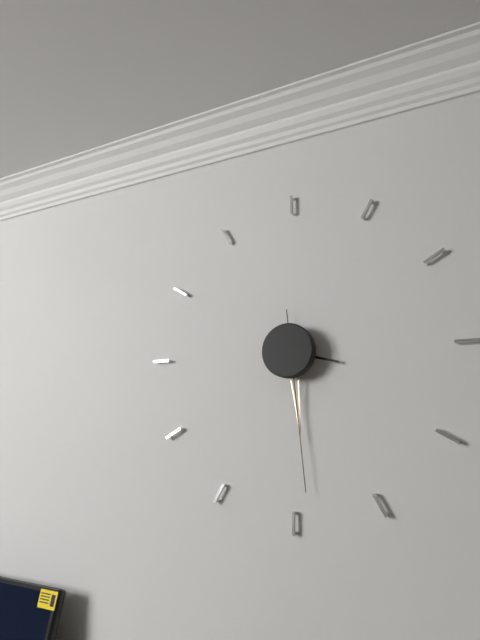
3h29m29s
